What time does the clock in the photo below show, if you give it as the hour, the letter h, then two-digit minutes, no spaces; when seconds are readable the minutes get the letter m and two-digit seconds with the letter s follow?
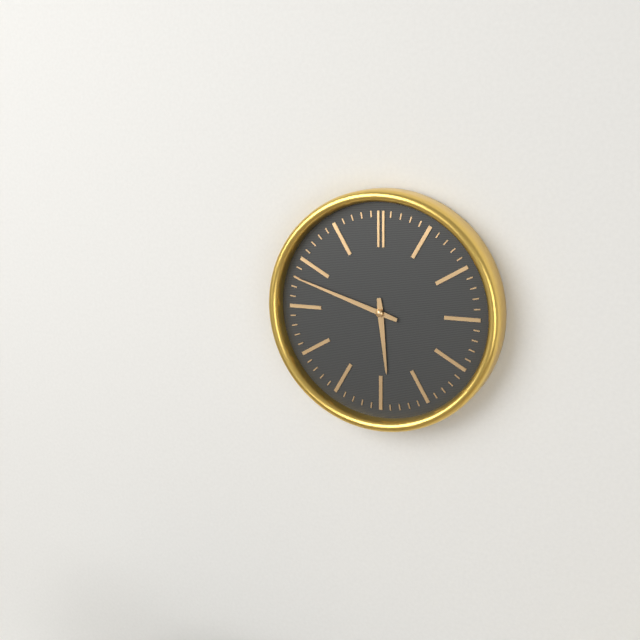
5h48
